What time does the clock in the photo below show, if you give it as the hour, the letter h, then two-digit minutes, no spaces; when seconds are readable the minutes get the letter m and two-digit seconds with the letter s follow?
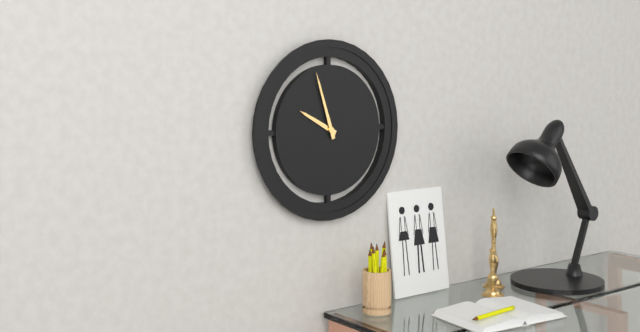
9h57
